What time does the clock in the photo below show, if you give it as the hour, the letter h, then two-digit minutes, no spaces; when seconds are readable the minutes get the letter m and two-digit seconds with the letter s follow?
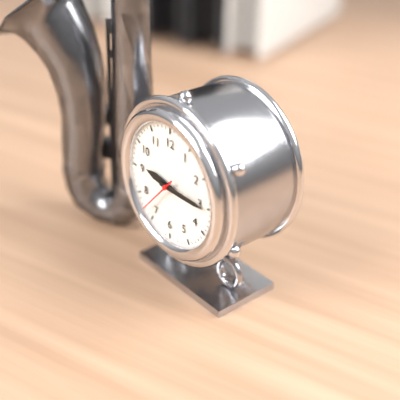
9h15
